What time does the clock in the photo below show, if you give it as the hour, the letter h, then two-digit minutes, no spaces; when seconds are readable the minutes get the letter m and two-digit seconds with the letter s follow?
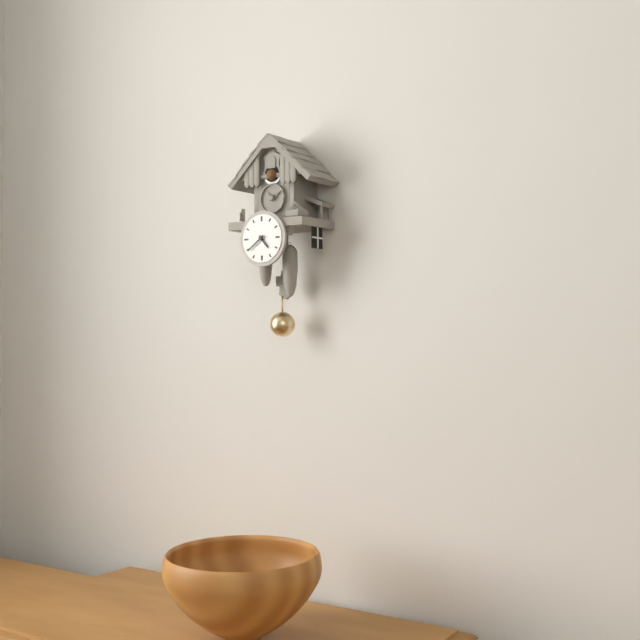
4h39
